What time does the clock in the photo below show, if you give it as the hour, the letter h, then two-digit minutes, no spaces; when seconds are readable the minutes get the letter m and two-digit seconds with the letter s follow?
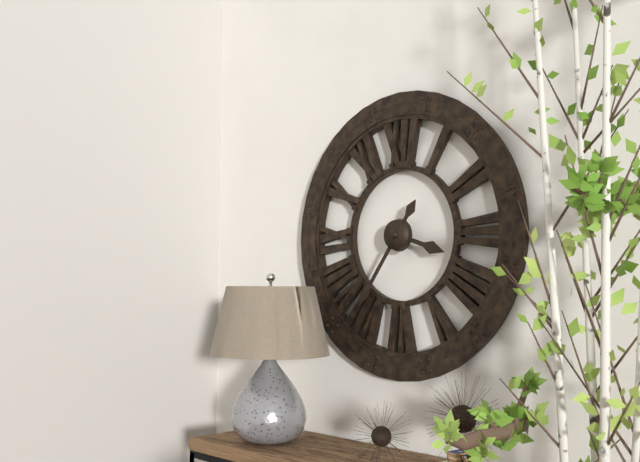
3h36
